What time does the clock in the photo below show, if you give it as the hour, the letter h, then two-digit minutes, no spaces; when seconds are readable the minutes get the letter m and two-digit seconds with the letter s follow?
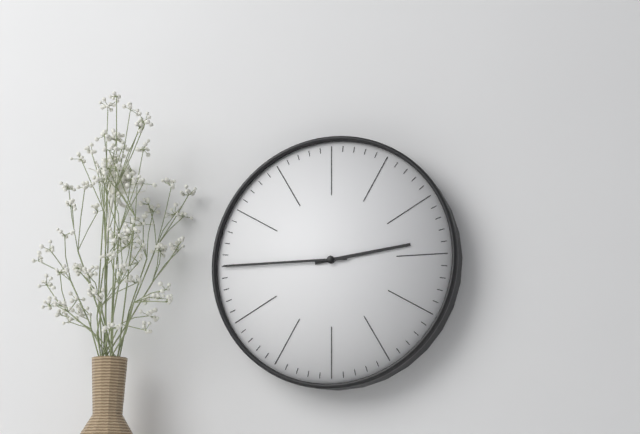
2h45
